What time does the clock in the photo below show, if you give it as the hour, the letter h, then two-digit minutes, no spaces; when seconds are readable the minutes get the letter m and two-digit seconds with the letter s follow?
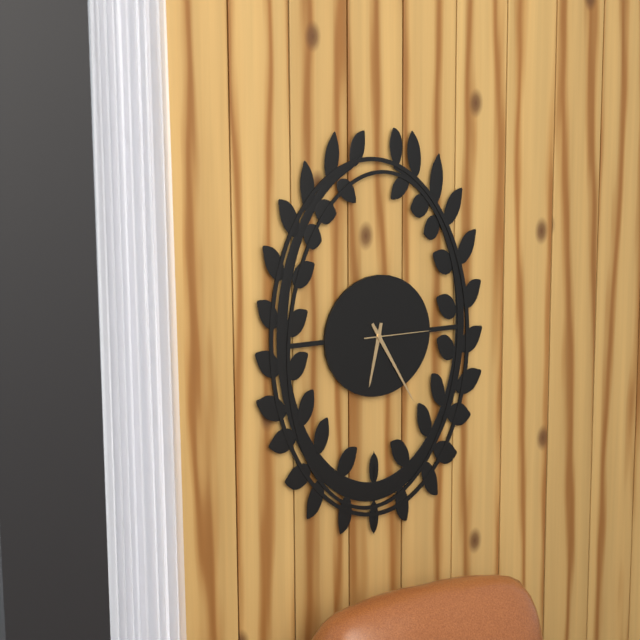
6h25m15s
